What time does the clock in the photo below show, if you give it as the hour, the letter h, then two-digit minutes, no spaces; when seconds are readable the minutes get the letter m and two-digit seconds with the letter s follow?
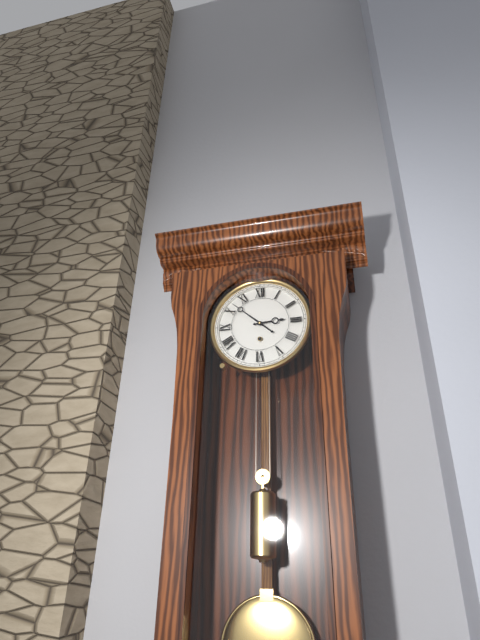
2h52
